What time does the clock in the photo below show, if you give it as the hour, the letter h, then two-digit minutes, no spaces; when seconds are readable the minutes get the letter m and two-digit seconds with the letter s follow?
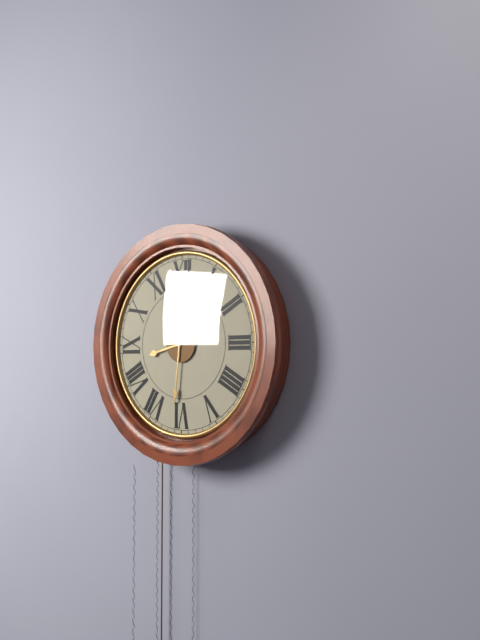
8h31
